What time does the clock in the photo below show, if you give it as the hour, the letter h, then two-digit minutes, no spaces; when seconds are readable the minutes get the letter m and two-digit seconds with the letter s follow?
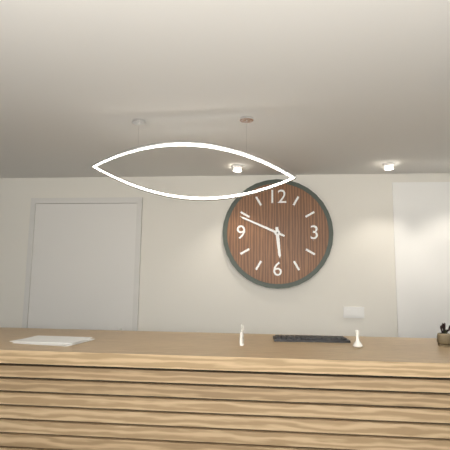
5h49
